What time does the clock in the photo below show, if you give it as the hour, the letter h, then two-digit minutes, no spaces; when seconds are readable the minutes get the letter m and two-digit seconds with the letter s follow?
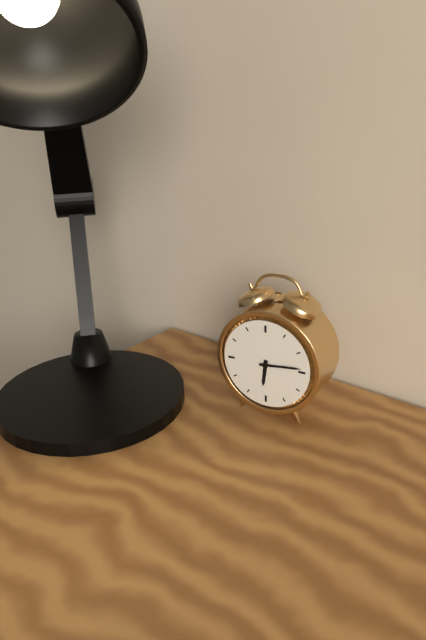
6h14
